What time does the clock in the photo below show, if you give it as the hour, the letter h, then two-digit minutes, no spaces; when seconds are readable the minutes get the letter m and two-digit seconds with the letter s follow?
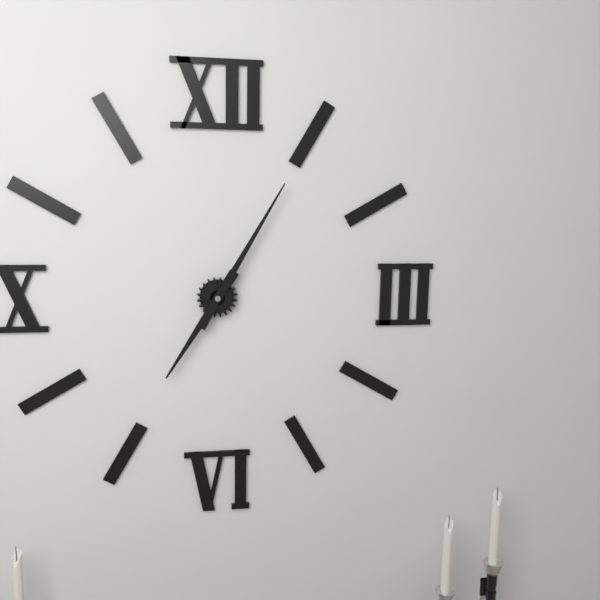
7h05
